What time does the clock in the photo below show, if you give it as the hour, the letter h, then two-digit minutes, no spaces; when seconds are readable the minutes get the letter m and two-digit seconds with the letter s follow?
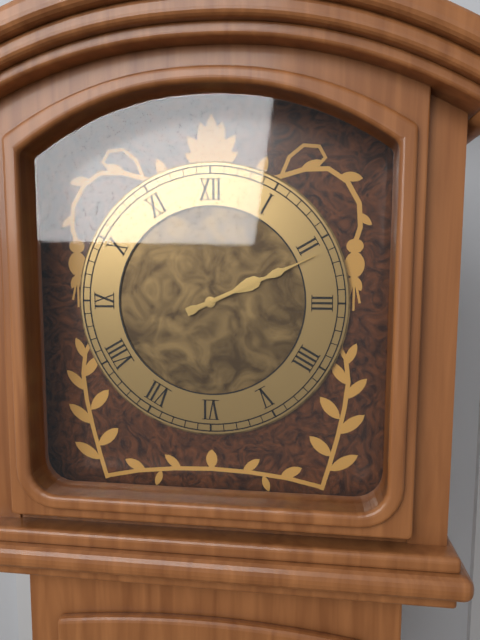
2h11
